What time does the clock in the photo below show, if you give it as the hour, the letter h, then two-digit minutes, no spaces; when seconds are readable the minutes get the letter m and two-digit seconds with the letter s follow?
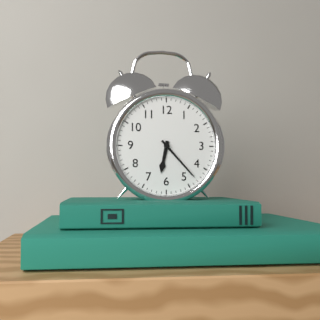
6h23
